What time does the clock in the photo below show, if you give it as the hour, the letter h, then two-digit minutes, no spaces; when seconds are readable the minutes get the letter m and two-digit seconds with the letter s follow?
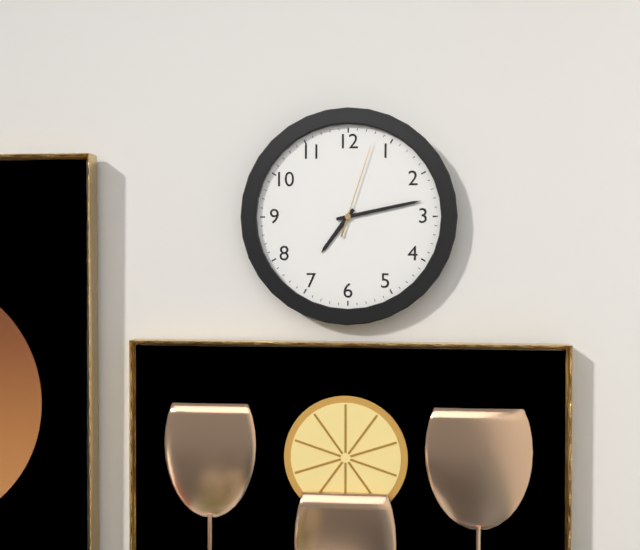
7h13m03s
